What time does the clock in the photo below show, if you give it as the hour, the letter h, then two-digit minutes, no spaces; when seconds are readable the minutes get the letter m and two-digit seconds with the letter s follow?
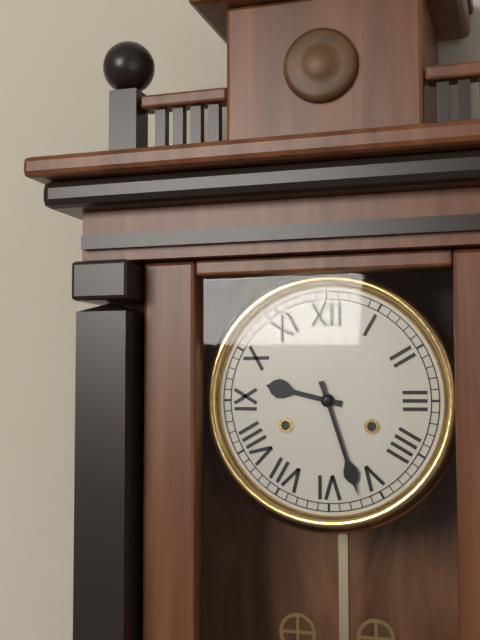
9h27
